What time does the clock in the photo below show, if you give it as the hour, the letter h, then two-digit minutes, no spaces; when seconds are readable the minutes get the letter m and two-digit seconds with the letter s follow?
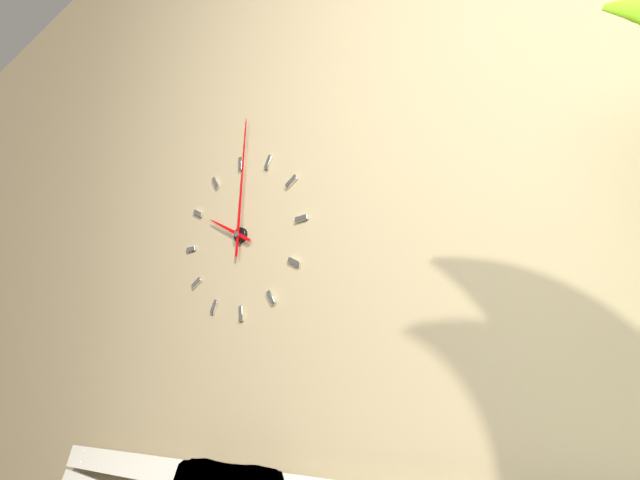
10h01
